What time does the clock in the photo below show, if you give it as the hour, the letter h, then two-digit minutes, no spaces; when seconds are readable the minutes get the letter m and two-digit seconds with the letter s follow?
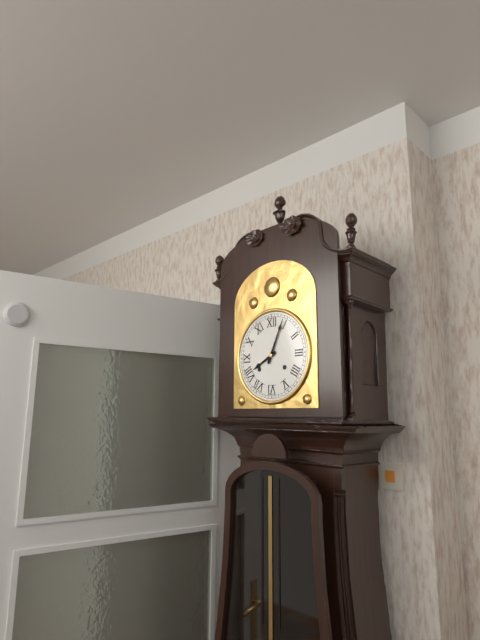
8h04
